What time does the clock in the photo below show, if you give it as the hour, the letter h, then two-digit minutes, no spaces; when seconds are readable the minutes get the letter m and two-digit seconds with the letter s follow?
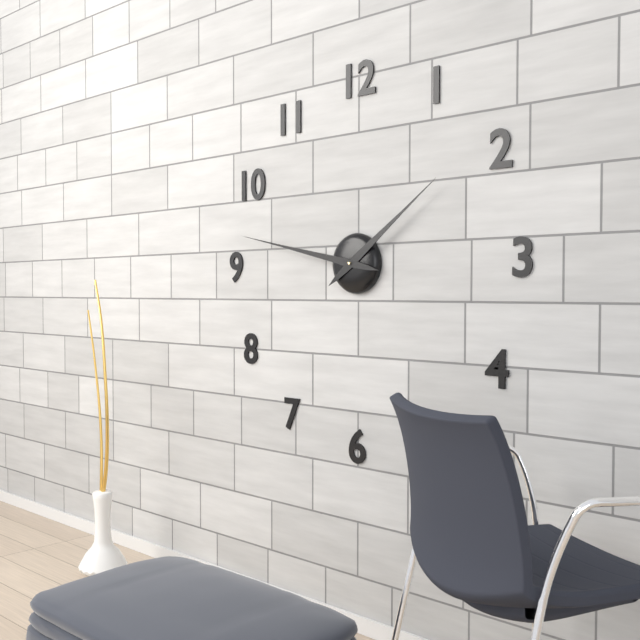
1h47
